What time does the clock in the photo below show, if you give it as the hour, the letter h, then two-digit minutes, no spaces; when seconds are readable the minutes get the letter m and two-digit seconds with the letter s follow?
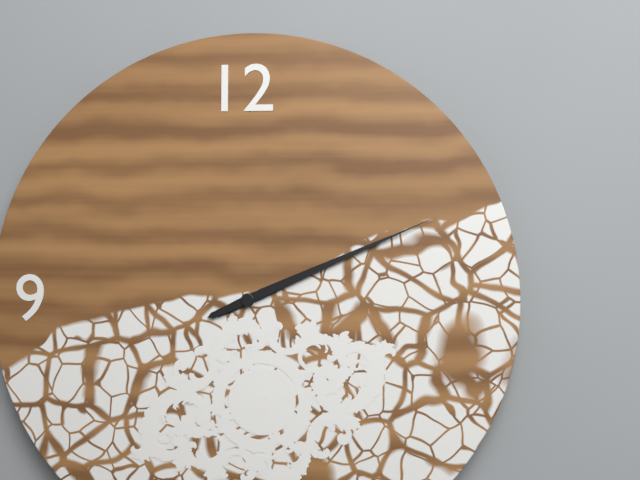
2h11
